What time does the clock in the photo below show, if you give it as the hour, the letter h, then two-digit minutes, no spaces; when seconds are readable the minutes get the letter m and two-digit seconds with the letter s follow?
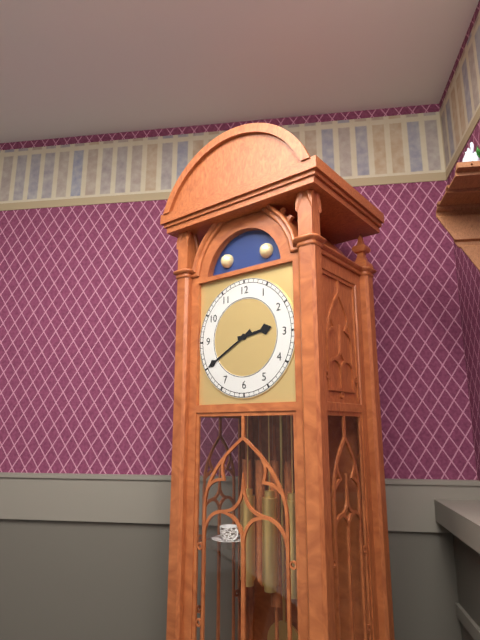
2h40
